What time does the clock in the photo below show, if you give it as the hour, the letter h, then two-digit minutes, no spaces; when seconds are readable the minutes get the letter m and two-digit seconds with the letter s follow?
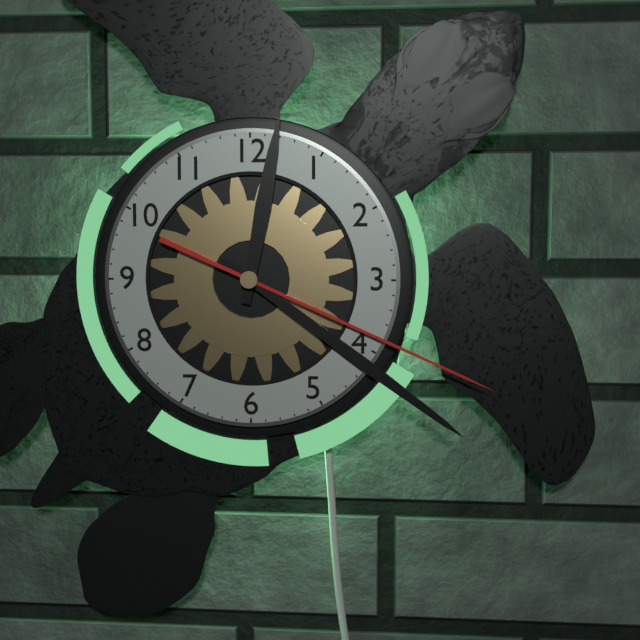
12h21m19s
